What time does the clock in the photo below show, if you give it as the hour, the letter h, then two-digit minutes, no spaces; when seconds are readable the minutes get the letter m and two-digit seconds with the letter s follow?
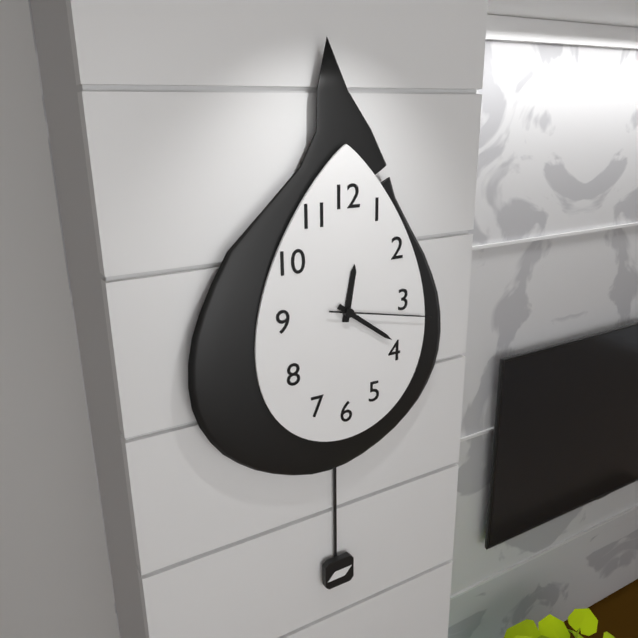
12h21m17s
